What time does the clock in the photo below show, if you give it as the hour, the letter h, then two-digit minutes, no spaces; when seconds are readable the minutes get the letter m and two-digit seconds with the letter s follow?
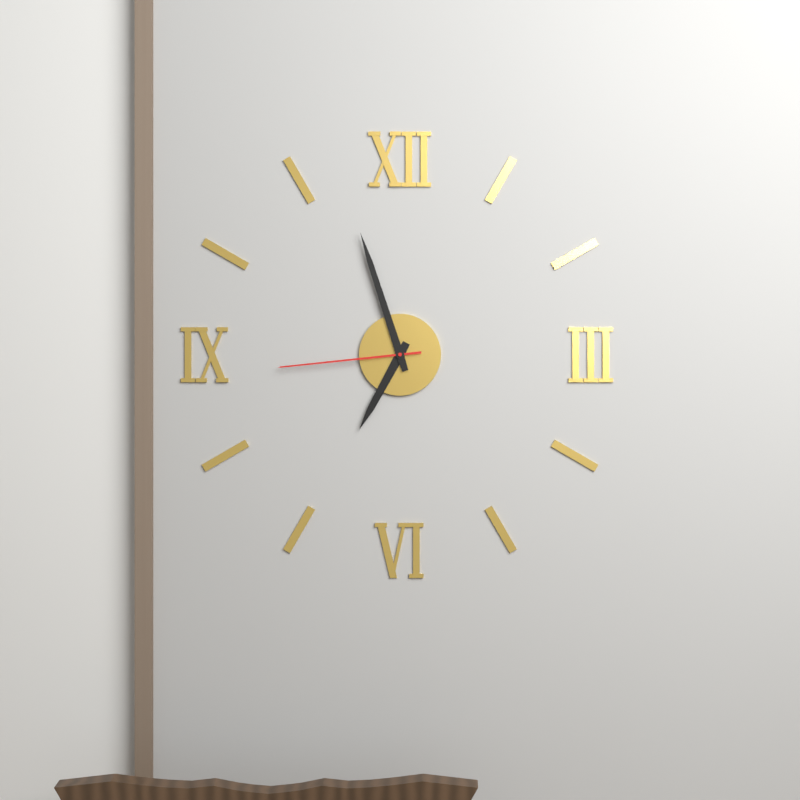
6h57m44s
